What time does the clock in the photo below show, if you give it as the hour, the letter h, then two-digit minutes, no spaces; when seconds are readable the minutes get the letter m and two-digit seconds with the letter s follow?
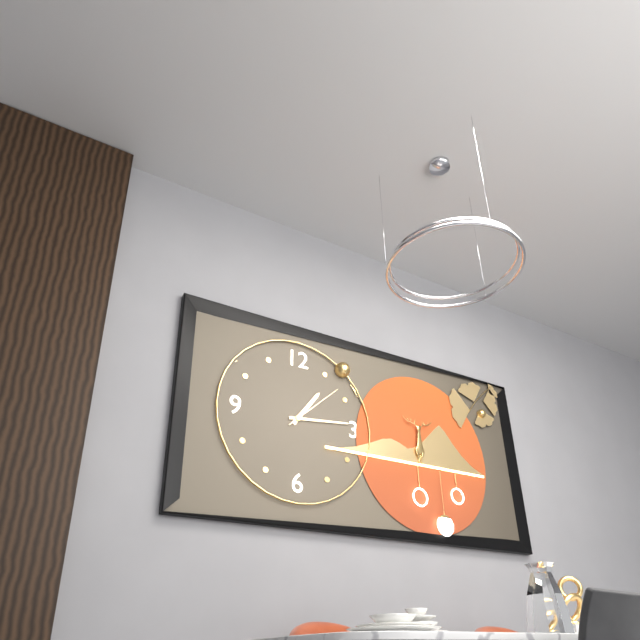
1h14m08s
